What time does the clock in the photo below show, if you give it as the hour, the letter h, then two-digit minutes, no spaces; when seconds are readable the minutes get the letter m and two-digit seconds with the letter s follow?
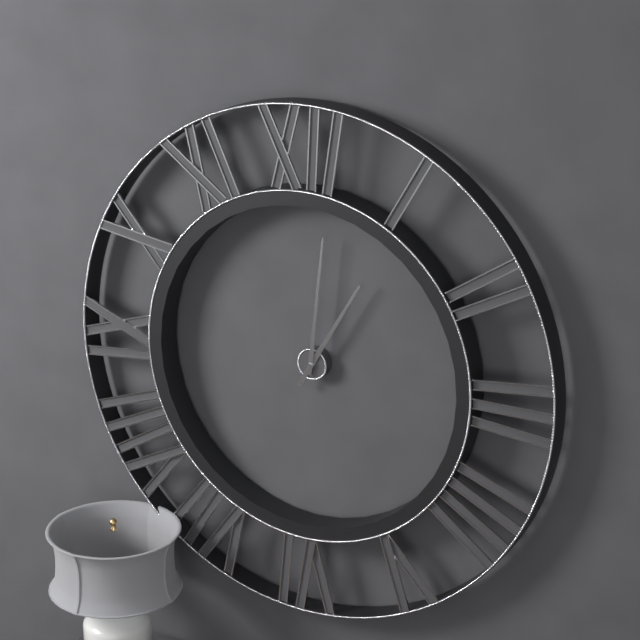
1h01
